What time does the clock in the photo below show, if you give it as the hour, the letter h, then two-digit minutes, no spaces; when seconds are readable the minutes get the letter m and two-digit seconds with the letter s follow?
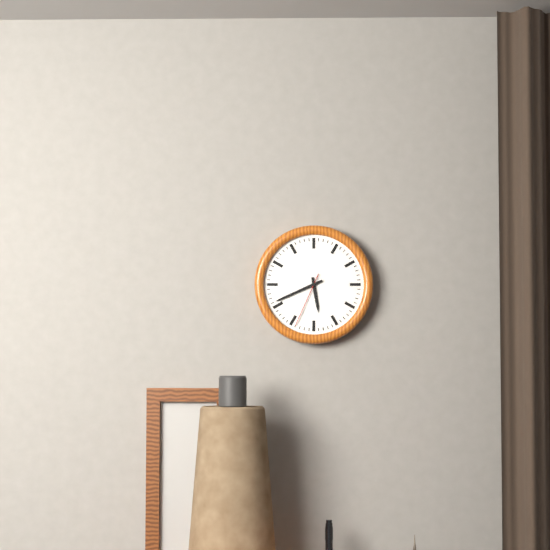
5h41m34s
